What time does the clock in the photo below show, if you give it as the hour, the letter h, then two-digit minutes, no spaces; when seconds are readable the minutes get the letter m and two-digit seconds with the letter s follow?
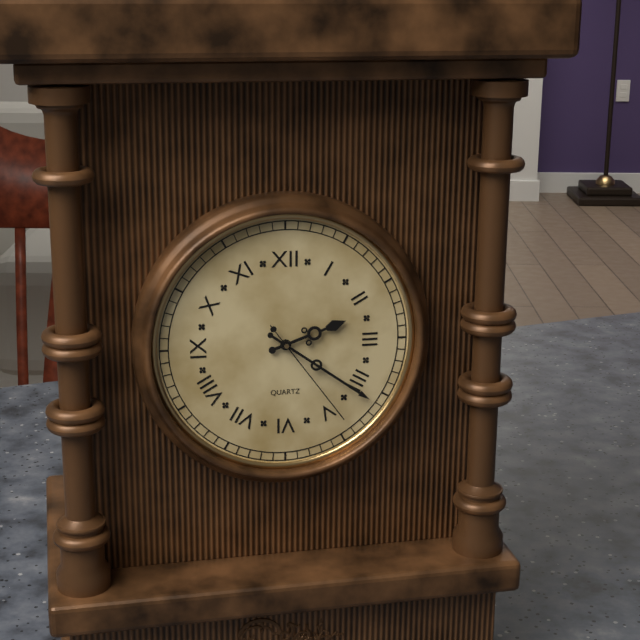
2h21m24s
